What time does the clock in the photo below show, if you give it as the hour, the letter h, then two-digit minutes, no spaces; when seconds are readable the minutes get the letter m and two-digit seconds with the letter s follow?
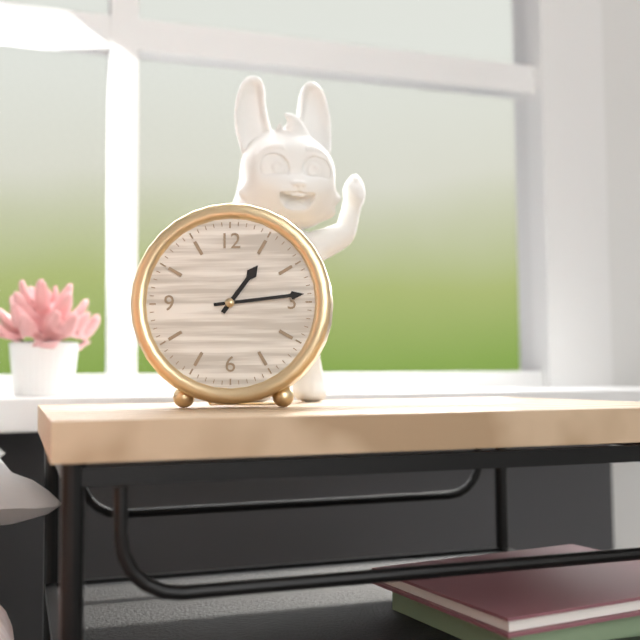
1h14
